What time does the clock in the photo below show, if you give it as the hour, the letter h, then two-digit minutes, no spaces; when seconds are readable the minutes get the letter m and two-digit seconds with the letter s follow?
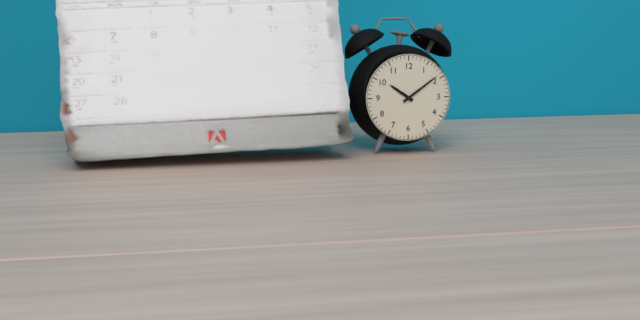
10h09
